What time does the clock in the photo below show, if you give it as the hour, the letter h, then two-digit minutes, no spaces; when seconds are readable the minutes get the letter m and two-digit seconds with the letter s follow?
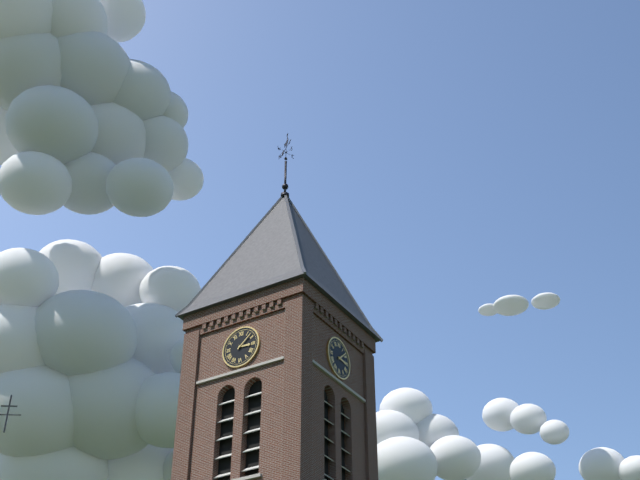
3h08
